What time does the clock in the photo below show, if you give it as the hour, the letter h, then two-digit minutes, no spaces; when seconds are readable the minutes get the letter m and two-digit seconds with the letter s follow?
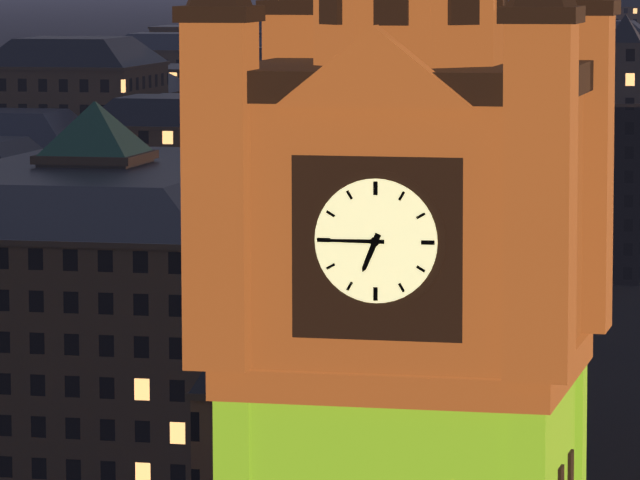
6h45
